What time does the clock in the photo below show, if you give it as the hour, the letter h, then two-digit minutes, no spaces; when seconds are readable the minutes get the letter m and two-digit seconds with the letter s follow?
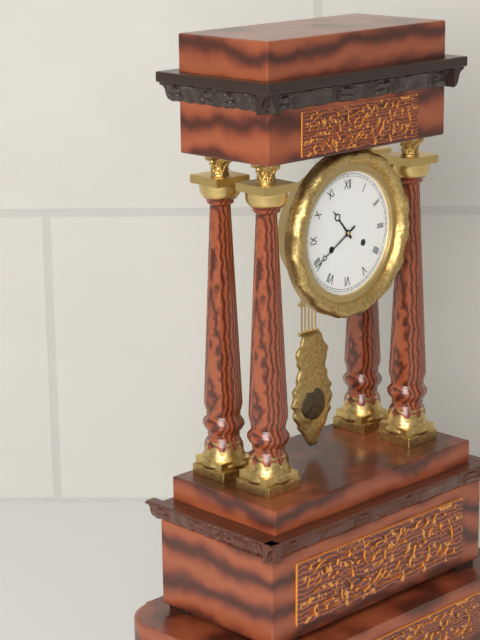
10h40
